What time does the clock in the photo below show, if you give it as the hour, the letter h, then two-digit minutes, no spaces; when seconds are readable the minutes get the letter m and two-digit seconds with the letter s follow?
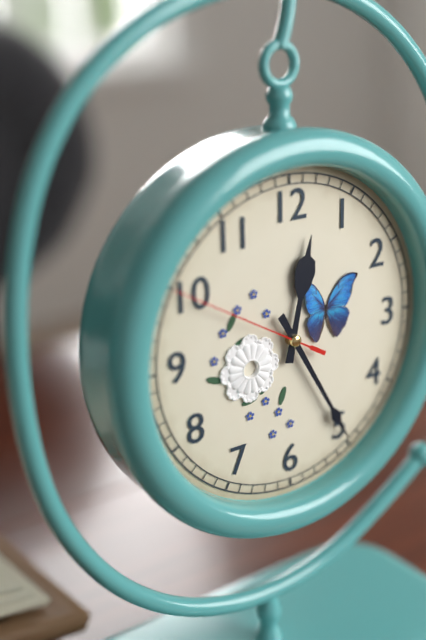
12h25m50s
